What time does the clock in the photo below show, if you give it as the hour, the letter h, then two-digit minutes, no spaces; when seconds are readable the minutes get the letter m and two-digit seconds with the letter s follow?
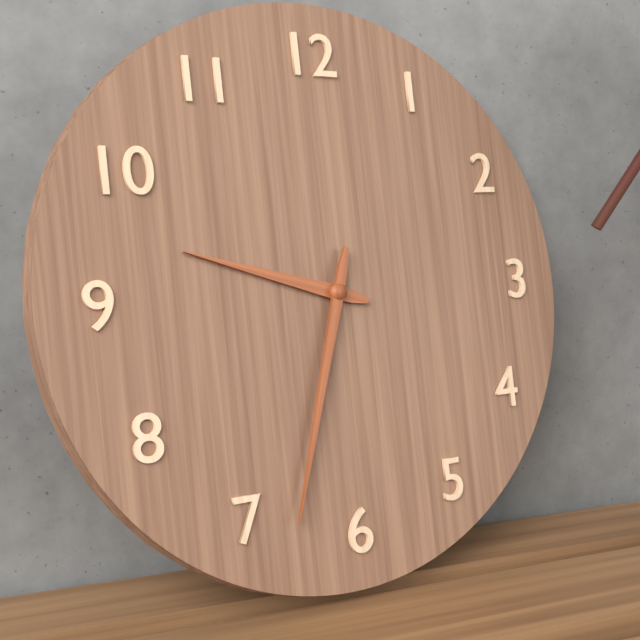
9h33
